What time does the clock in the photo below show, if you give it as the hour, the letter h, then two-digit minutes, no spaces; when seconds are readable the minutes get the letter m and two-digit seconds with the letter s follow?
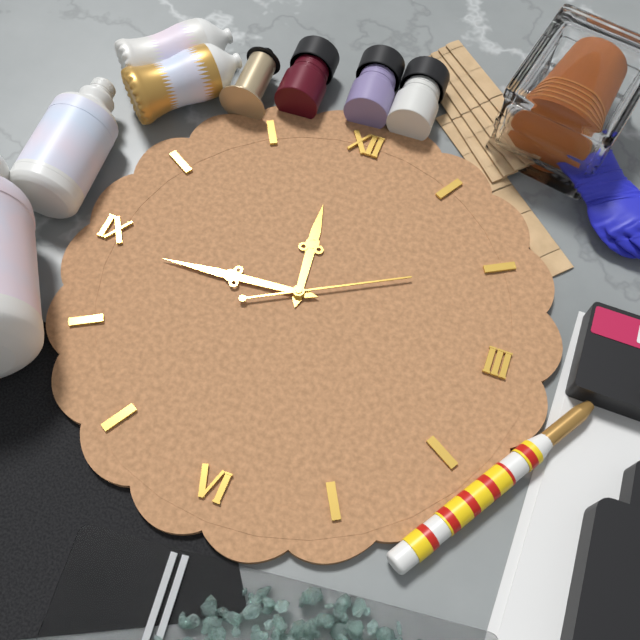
11h44m10s
